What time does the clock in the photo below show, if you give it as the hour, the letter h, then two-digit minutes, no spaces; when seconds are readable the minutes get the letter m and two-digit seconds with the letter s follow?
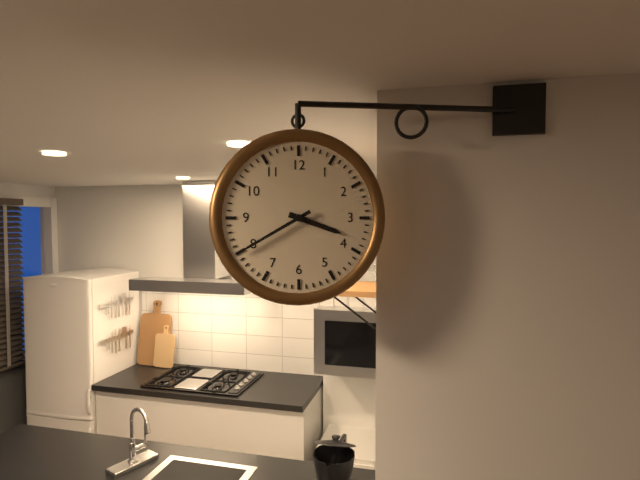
3h40
